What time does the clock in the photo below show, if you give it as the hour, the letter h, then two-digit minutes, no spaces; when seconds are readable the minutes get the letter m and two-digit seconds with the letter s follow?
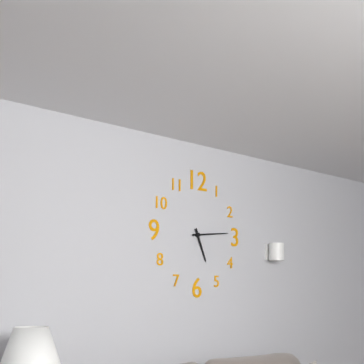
5h14
